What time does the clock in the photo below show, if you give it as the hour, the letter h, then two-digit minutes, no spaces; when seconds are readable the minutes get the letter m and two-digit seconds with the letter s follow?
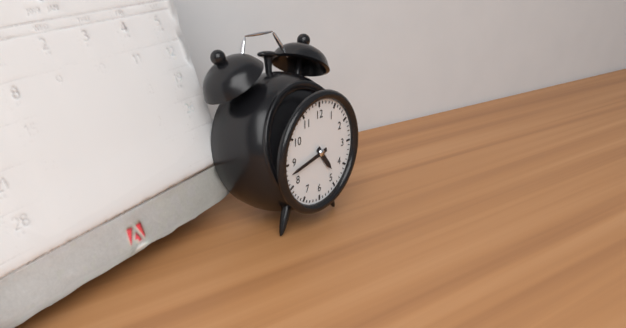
4h43
